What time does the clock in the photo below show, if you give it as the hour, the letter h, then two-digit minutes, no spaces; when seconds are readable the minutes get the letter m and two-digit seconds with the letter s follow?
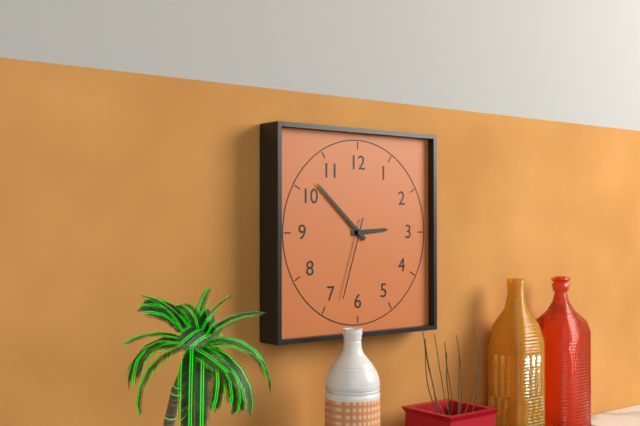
2h52m33s
